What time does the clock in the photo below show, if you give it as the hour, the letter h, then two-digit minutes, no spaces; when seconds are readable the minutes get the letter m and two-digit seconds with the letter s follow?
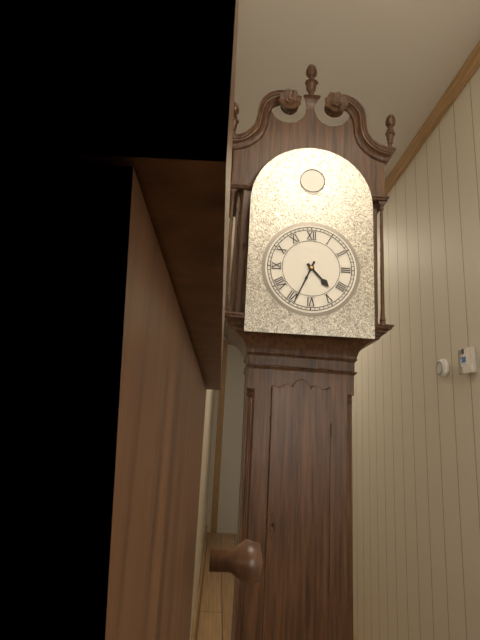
4h34
